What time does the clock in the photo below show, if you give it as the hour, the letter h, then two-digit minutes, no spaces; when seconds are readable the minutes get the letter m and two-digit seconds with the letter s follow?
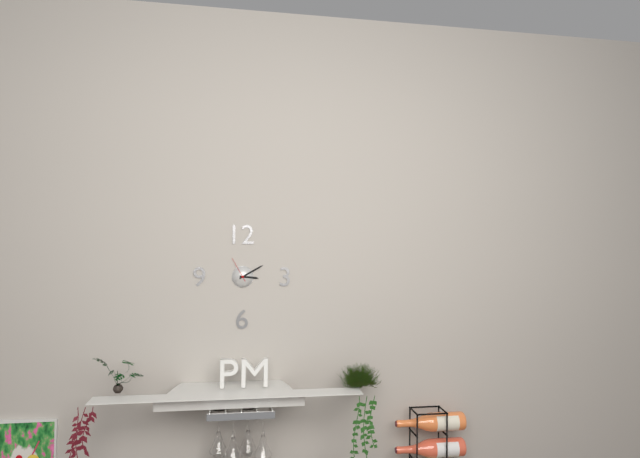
3h10
